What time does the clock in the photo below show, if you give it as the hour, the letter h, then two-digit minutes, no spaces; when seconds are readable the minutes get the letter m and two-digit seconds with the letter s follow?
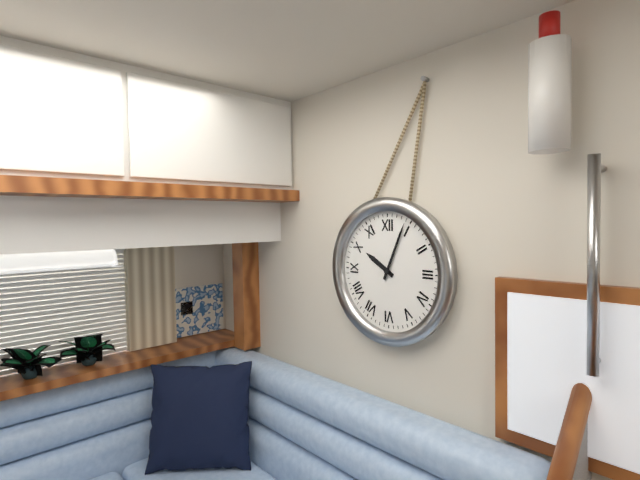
10h04
